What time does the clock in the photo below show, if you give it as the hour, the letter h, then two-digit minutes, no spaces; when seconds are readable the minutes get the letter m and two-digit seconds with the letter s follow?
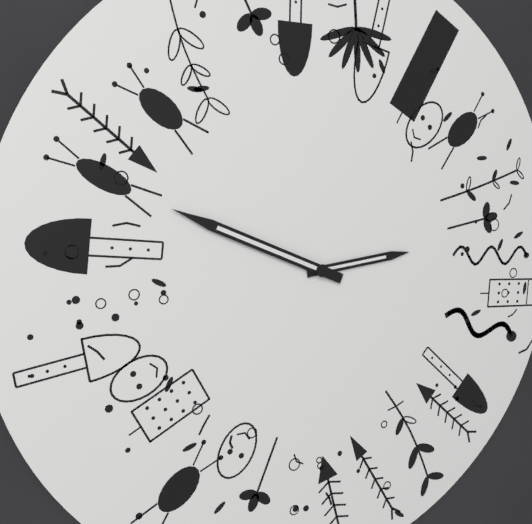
2h49
